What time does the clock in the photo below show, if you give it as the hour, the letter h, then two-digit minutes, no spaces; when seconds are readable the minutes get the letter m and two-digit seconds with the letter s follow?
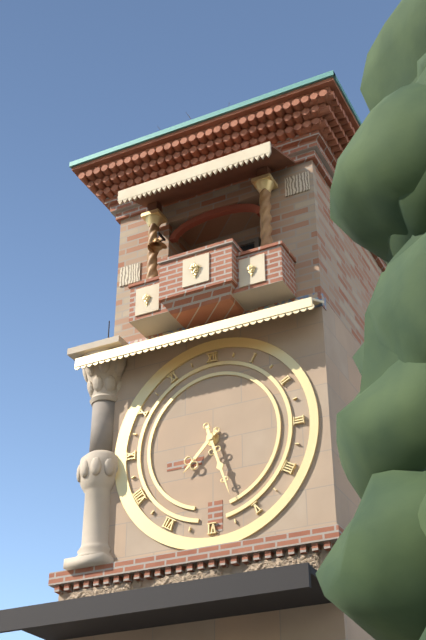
7h27
